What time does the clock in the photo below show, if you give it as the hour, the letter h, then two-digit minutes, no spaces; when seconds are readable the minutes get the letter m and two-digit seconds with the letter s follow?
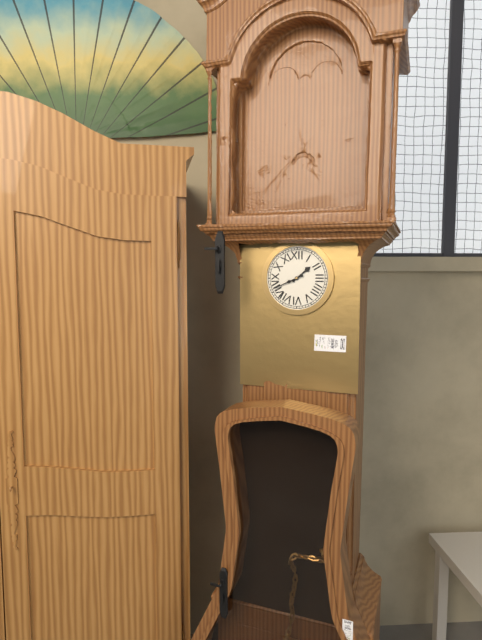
1h41
